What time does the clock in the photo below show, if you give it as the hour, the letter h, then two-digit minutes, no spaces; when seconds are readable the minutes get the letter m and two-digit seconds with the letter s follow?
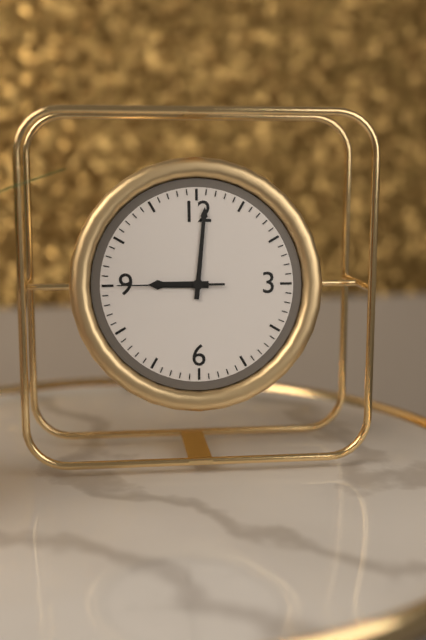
9h01m45s
